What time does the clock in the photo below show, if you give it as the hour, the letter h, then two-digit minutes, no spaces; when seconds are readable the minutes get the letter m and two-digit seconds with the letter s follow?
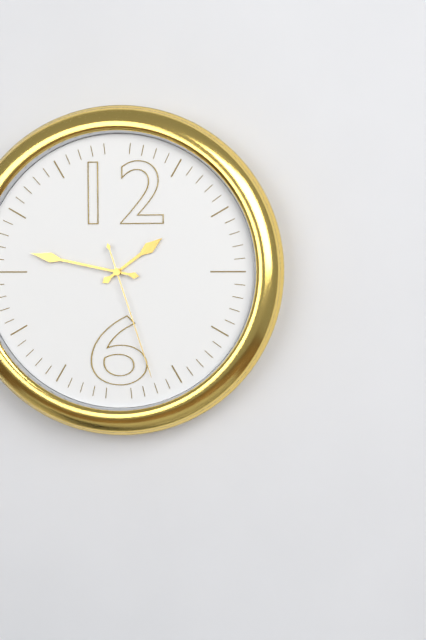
1h47m27s
